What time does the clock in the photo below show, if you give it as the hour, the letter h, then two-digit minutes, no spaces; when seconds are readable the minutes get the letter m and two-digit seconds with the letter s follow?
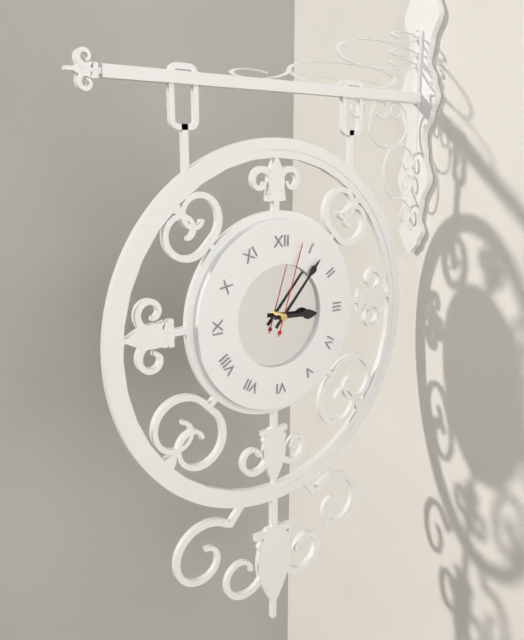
3h07m03s
